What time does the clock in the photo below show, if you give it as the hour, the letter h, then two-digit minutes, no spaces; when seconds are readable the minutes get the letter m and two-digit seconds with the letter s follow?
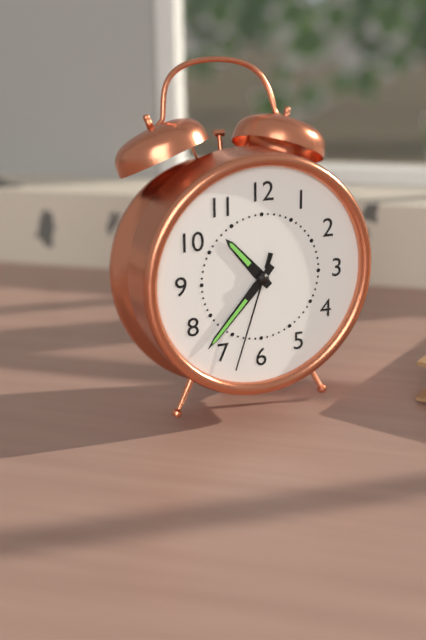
10h37m33s
